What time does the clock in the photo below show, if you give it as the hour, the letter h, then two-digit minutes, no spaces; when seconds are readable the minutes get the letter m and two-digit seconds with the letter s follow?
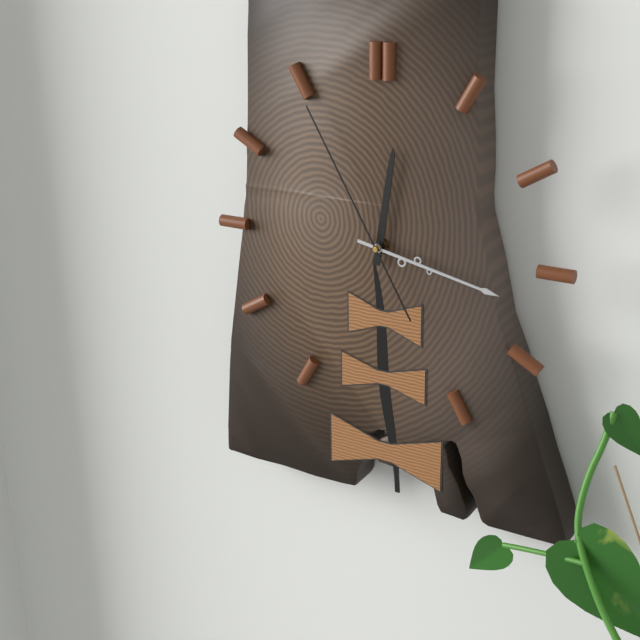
12h17m55s
